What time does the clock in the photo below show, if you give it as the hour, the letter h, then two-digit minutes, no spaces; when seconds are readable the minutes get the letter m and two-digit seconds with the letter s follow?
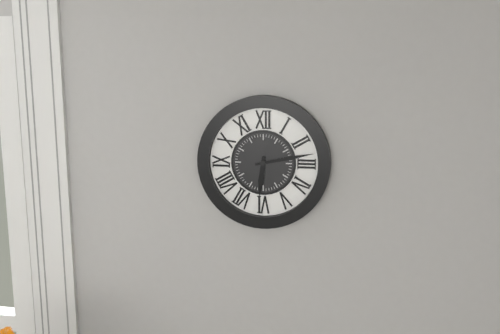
6h13
